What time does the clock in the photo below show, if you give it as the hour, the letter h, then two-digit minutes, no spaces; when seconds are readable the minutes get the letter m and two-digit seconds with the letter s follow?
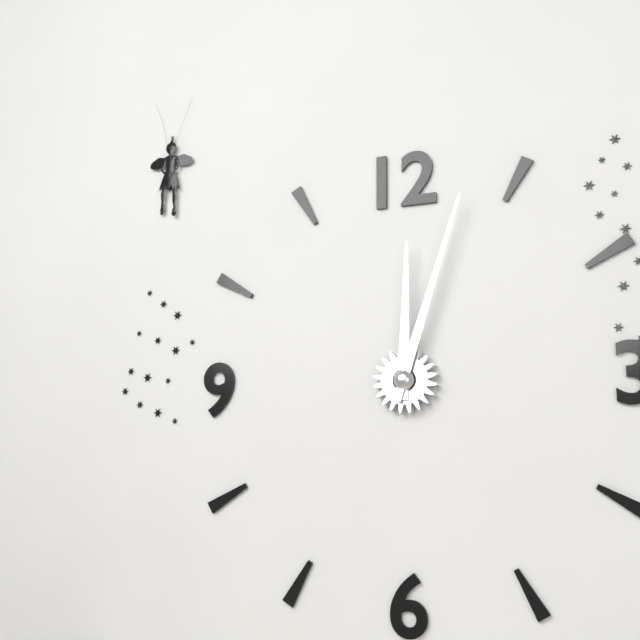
12h03
